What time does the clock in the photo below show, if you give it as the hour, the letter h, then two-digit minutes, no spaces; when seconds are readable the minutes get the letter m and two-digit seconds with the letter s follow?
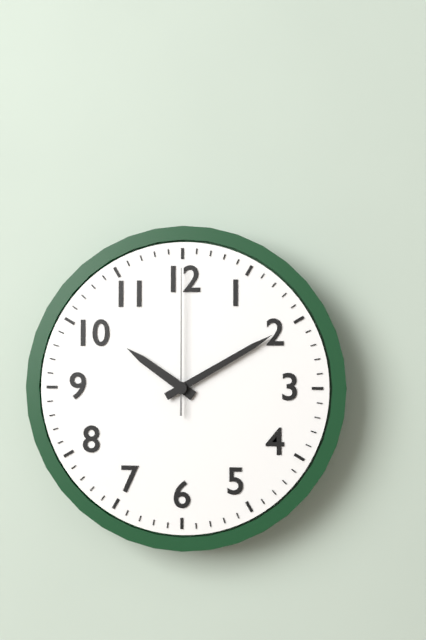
10h10m00s
